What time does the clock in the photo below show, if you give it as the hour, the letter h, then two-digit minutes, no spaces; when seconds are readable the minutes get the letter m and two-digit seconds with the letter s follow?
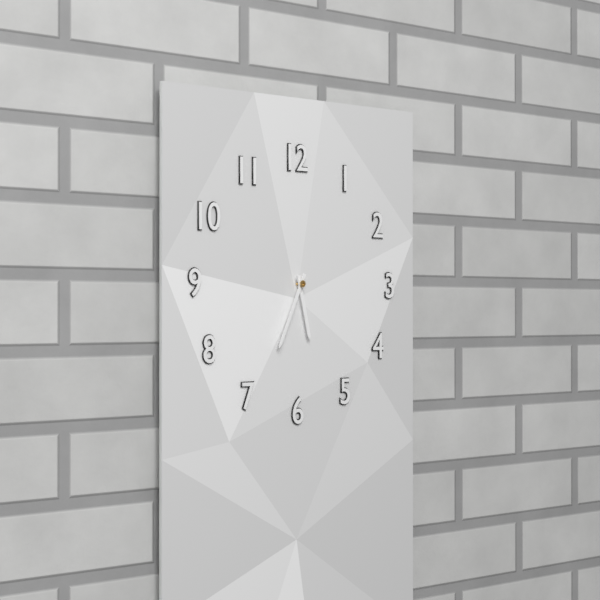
5h34
